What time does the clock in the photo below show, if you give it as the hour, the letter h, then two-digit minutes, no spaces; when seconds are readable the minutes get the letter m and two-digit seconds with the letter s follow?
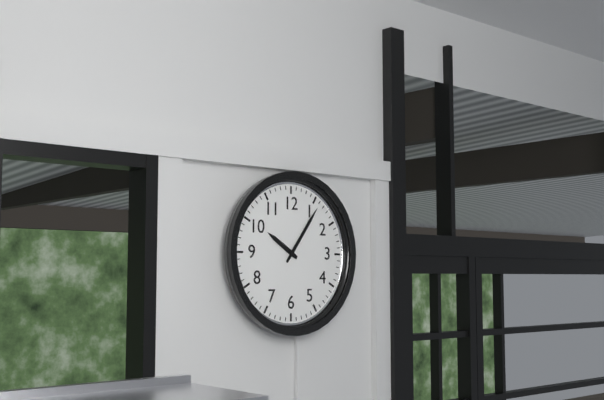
10h06
